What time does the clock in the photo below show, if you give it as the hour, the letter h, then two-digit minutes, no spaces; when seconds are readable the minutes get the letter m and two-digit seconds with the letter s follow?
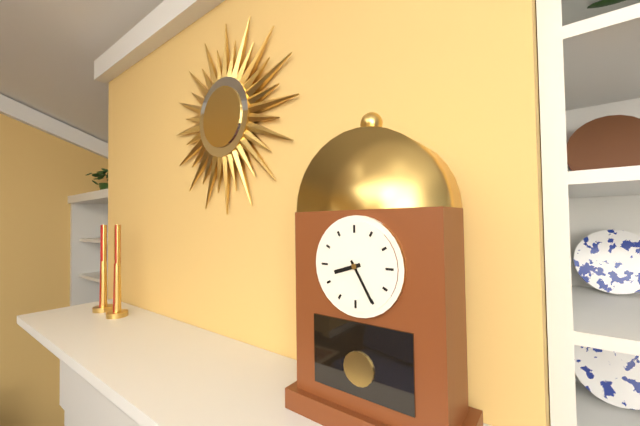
8h25
